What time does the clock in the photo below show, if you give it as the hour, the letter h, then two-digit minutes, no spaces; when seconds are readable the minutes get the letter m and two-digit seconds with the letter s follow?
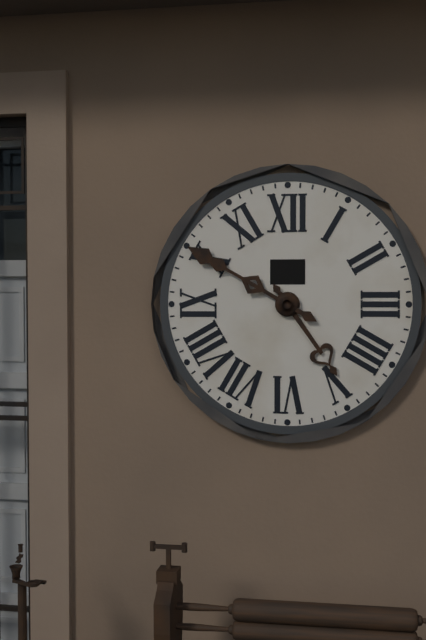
4h50
